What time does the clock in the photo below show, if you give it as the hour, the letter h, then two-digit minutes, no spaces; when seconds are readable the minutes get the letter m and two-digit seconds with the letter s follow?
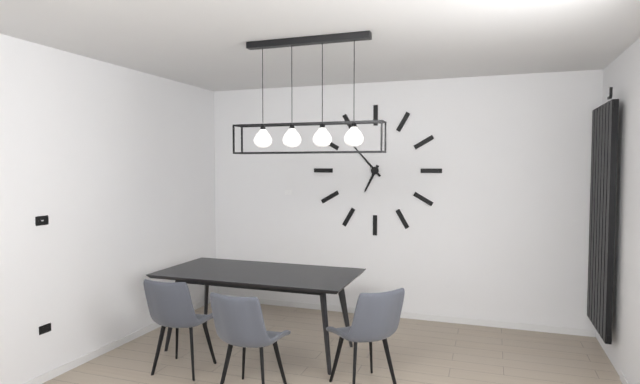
6h53
